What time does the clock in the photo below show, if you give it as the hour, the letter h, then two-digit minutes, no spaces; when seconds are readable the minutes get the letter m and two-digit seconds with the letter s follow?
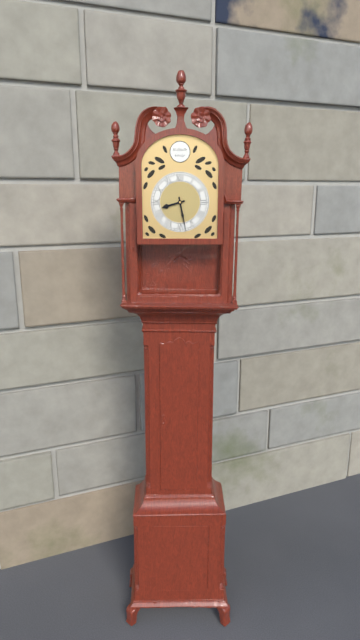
8h28
